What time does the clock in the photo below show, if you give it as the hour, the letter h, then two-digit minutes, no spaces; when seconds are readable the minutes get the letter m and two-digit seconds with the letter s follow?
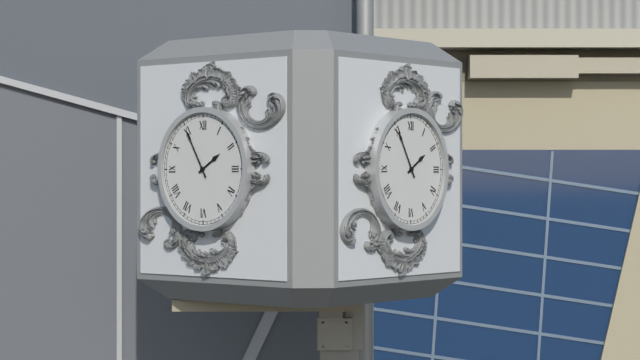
1h55
